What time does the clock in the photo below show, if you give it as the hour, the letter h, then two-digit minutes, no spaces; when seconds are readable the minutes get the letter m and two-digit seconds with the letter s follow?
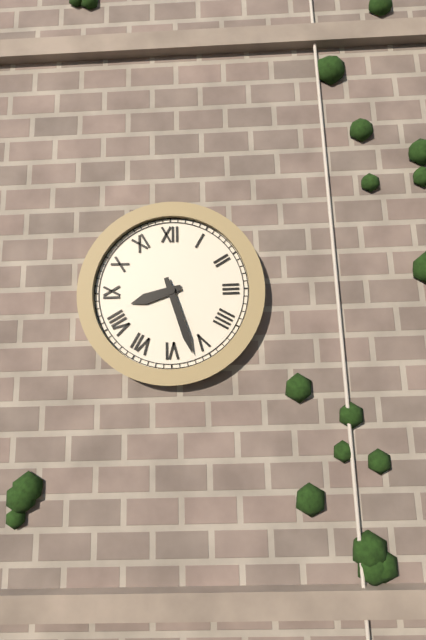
8h27
